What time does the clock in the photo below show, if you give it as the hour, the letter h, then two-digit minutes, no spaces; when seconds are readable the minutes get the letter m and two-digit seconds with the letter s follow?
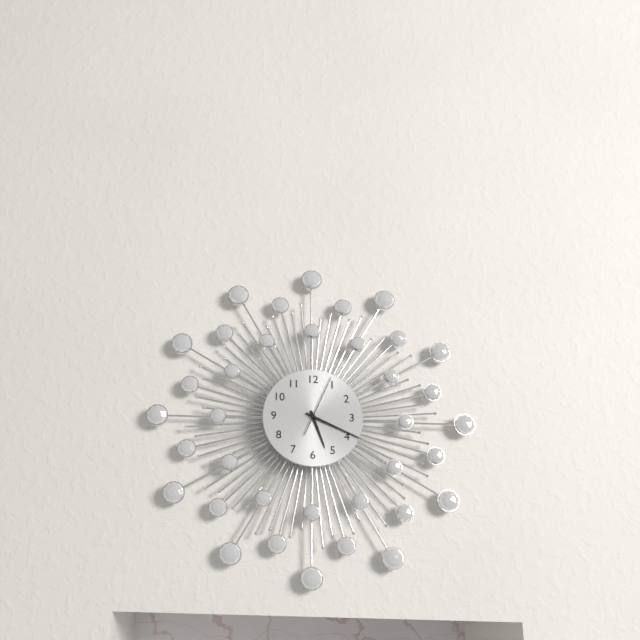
5h19m04s
